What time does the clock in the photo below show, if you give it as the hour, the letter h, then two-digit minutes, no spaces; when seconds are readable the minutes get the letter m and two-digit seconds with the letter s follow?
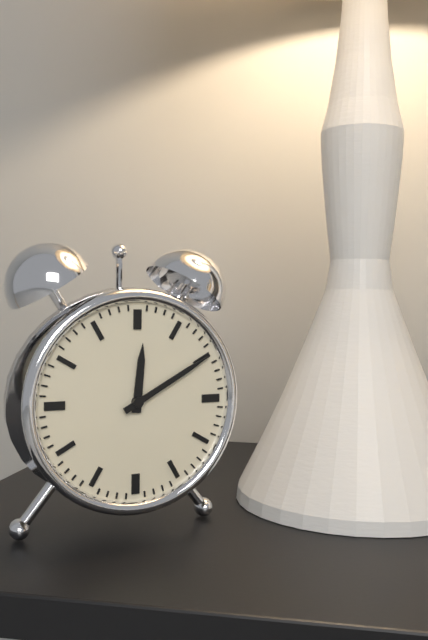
12h10
